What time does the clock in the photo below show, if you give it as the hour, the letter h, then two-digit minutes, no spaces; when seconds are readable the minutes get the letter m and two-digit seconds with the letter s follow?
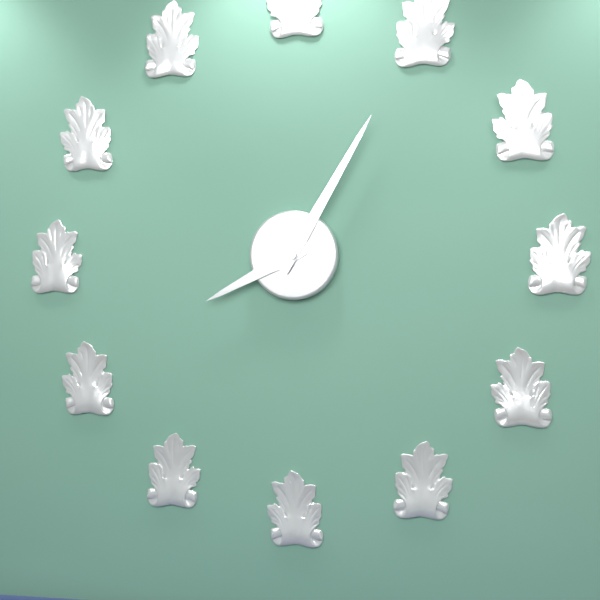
8h05
